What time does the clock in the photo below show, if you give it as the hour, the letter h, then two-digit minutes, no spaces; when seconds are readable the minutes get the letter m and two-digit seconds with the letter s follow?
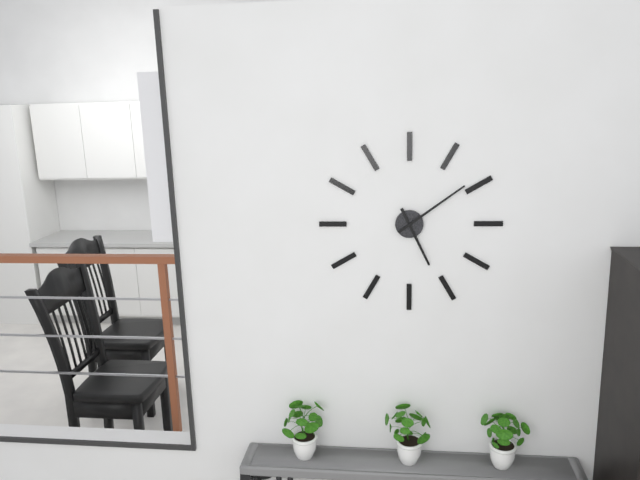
5h09
